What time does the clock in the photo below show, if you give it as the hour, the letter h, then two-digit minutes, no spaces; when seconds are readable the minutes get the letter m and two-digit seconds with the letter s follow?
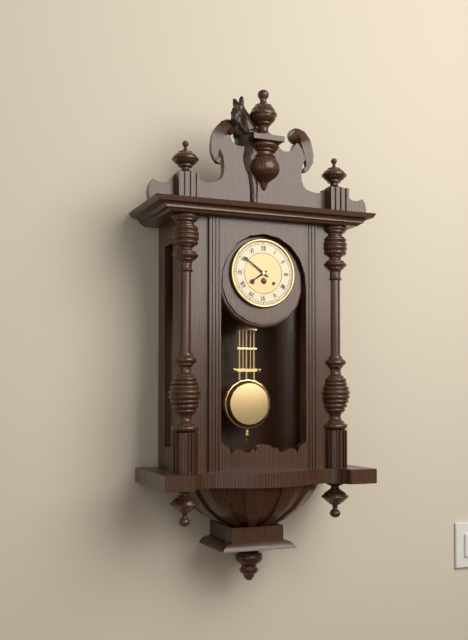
7h51
